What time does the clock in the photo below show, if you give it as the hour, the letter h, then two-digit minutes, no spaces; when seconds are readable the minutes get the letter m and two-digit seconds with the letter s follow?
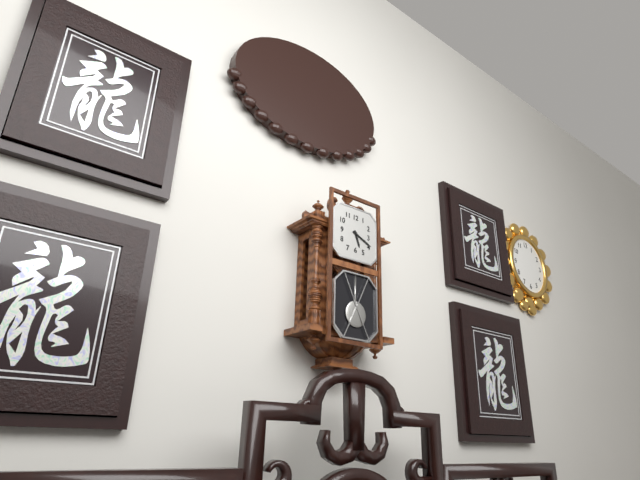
5h19
